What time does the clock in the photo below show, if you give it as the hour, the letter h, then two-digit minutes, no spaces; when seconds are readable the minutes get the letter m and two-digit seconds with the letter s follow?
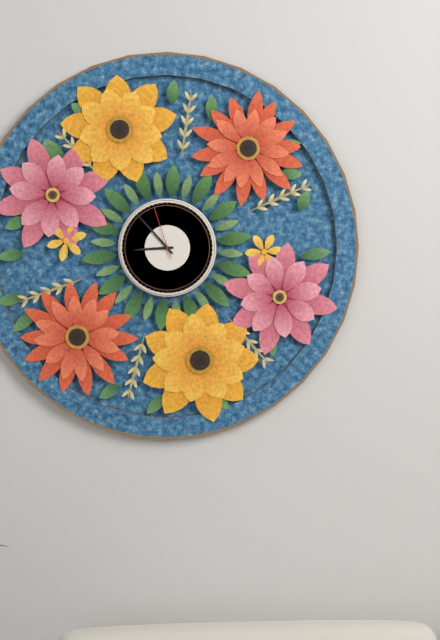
8h53m57s
